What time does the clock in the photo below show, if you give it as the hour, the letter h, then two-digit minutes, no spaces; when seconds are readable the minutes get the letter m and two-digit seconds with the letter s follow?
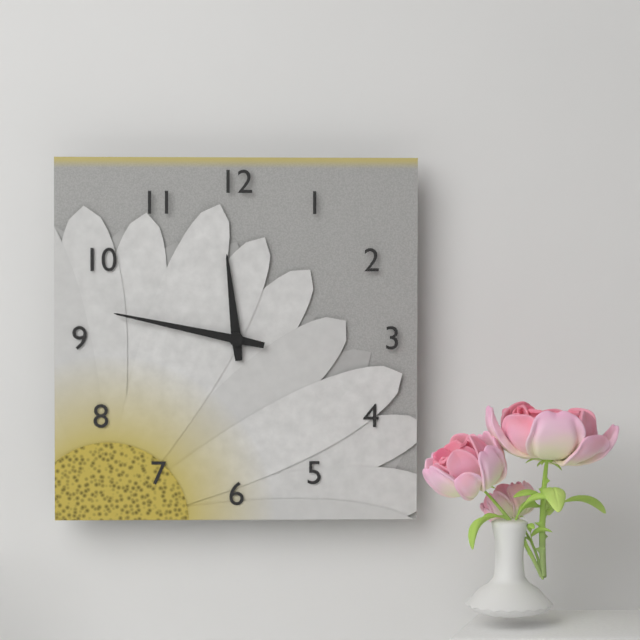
11h47
